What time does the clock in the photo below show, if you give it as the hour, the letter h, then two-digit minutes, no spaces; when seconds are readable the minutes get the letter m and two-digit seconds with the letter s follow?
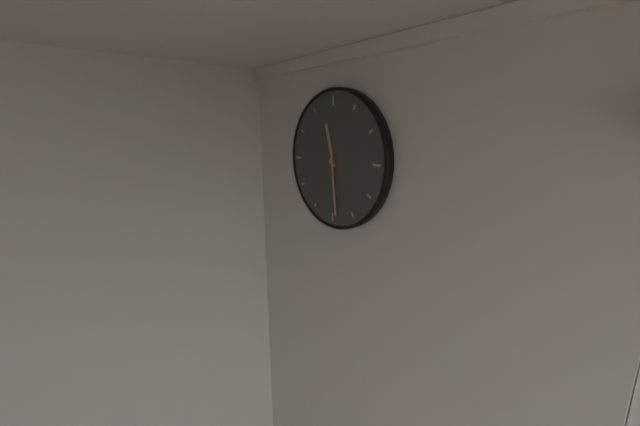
11h29
